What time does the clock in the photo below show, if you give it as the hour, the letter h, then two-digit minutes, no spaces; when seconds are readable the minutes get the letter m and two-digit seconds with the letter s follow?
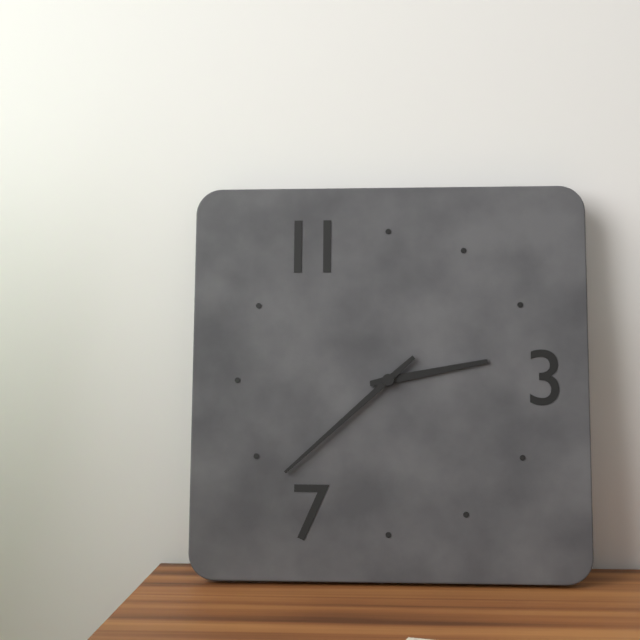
2h38
